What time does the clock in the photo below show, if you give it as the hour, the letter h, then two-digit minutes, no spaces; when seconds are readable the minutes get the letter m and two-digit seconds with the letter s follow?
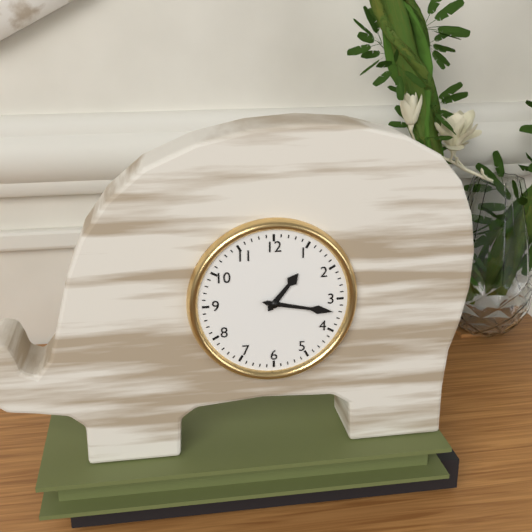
1h17
